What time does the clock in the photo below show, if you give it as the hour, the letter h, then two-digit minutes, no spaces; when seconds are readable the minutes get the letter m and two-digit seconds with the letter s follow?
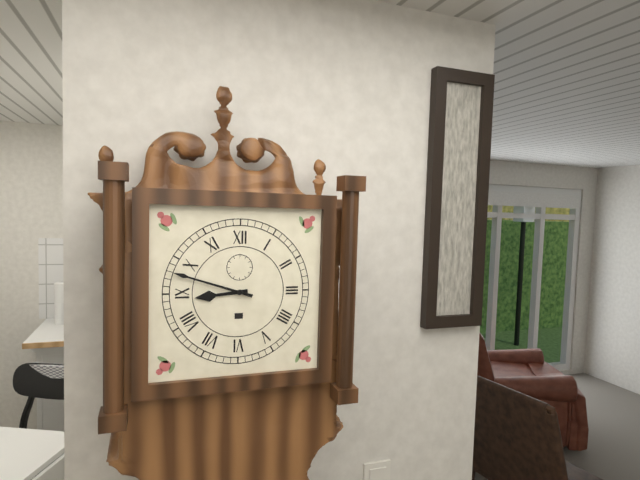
8h48
